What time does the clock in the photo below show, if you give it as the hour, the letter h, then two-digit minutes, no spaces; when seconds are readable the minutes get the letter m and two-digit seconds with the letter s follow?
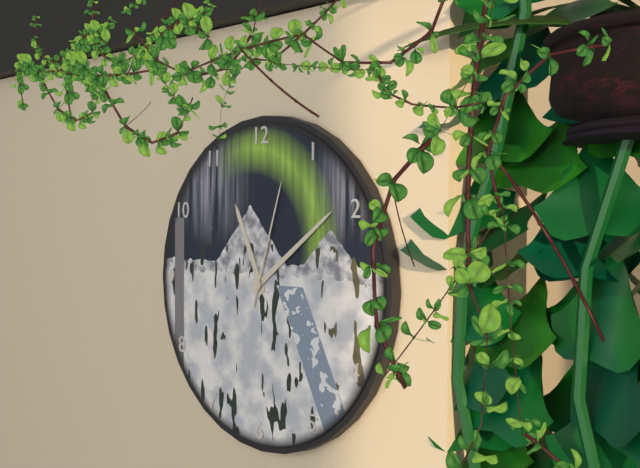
11h09m03s
